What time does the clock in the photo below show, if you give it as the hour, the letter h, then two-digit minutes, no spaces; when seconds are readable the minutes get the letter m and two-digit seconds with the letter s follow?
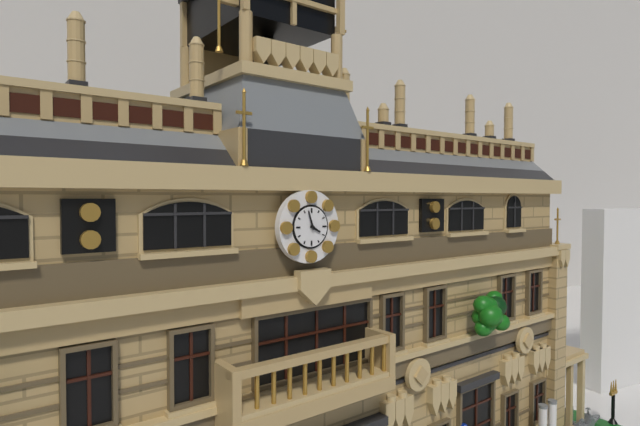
3h57
